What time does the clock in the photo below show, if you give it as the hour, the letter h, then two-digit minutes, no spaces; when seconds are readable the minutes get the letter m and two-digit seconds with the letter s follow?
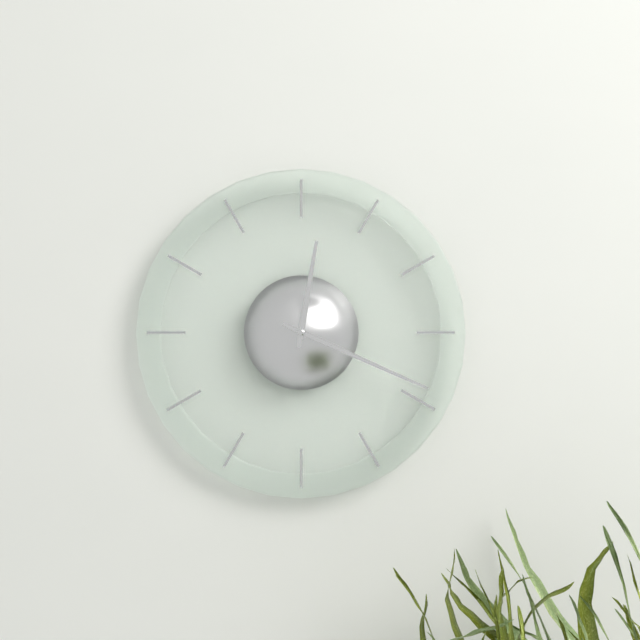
12h19
